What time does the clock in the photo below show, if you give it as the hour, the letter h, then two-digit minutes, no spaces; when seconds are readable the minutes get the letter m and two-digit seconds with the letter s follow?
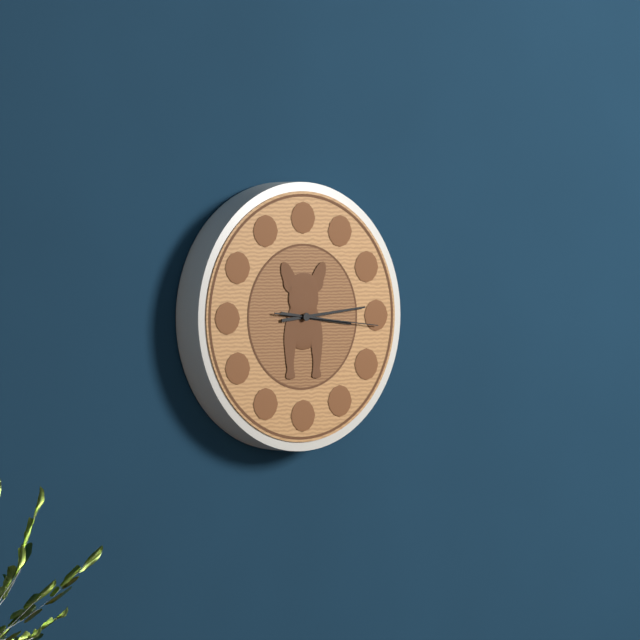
3h14m16s
